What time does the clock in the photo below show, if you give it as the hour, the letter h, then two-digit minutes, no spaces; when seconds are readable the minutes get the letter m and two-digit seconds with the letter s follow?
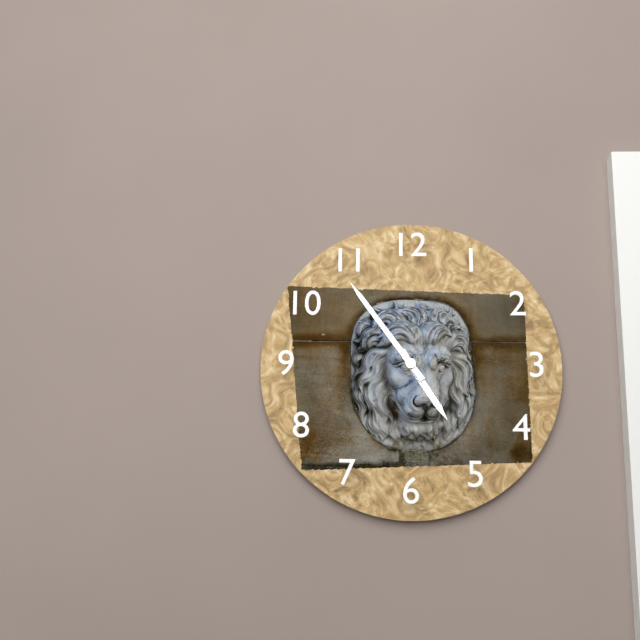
4h54
